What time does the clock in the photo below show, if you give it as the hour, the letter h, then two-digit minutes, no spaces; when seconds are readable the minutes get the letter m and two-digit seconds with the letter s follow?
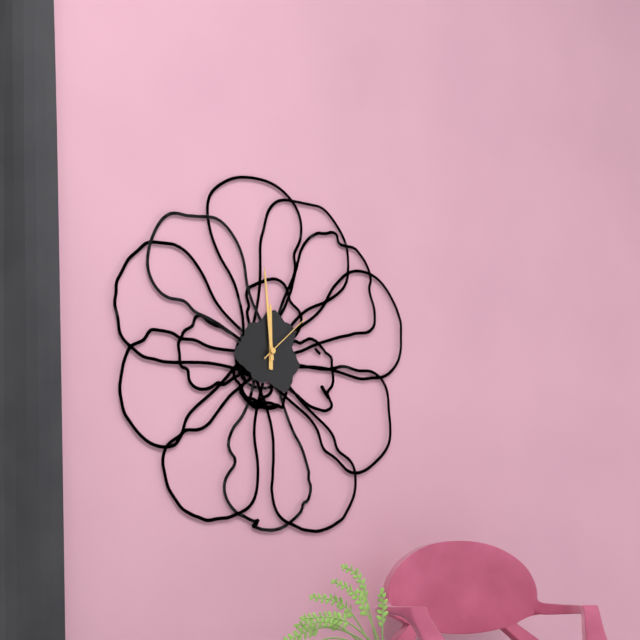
11h59m08s
